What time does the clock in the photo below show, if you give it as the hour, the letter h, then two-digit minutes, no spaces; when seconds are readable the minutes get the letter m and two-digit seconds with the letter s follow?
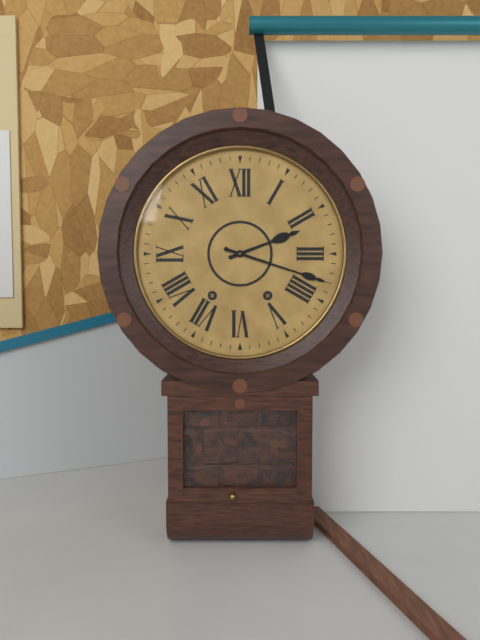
2h18
